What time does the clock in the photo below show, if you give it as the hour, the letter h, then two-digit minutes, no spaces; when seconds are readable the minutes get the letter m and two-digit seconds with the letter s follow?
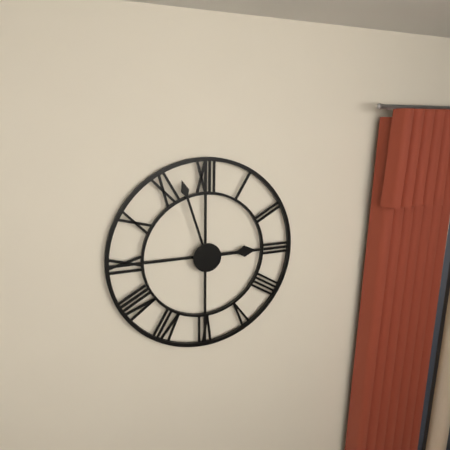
2h57
